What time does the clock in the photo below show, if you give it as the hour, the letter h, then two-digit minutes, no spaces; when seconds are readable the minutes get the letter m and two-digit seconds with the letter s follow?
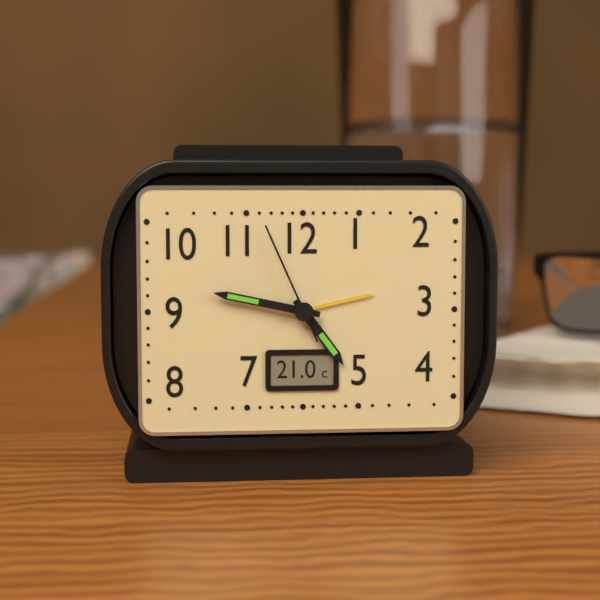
4h47m56s
